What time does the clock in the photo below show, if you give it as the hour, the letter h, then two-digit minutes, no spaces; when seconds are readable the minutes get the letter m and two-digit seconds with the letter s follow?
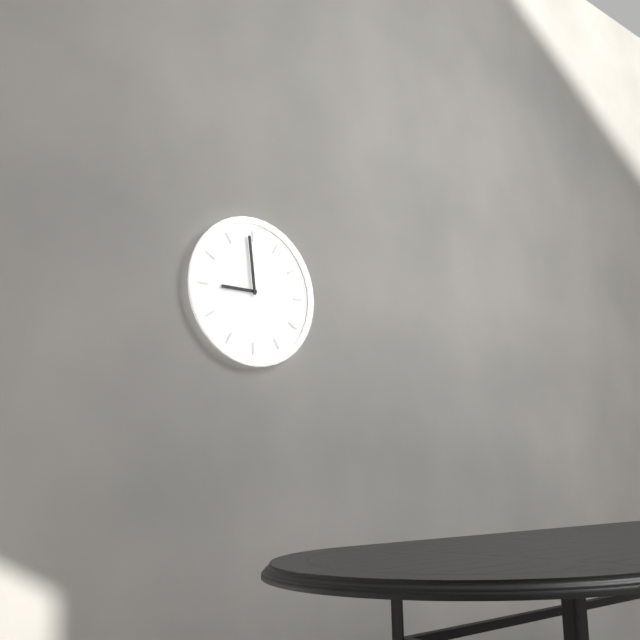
8h59
